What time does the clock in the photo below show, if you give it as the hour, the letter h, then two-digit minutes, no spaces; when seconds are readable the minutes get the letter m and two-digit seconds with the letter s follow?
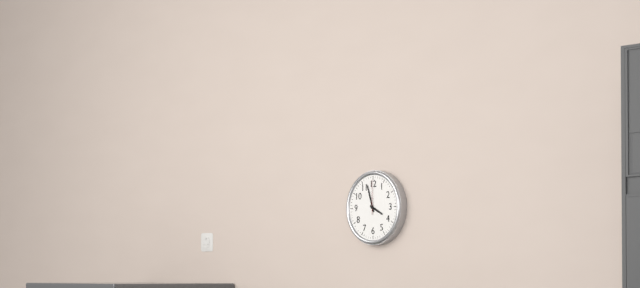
3h57
